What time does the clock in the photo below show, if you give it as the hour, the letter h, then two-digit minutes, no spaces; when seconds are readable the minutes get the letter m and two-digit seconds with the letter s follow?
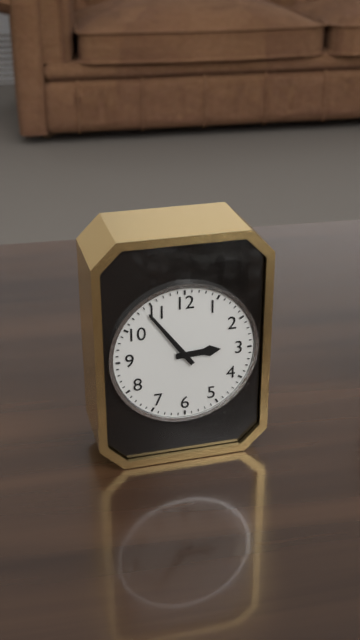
2h54
